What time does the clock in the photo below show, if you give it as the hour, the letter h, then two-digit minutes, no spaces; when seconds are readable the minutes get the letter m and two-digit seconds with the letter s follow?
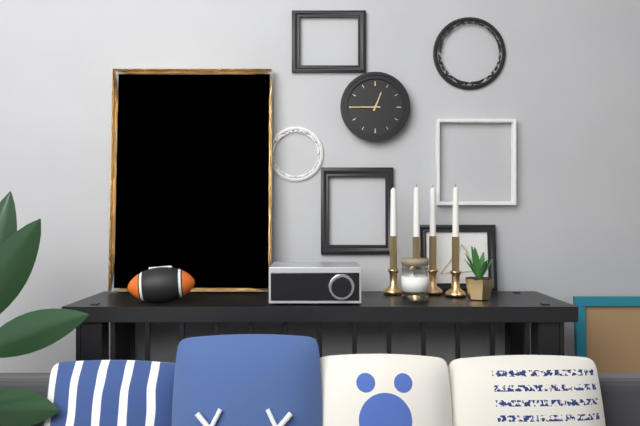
12h45
